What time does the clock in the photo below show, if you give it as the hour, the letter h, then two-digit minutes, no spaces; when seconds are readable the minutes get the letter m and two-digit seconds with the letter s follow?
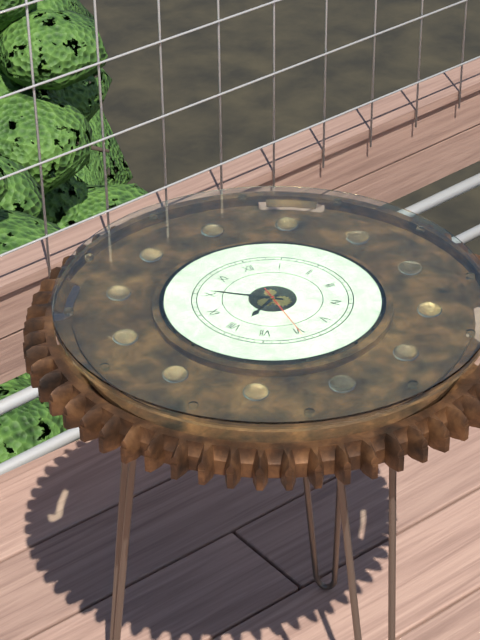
7h51m30s
